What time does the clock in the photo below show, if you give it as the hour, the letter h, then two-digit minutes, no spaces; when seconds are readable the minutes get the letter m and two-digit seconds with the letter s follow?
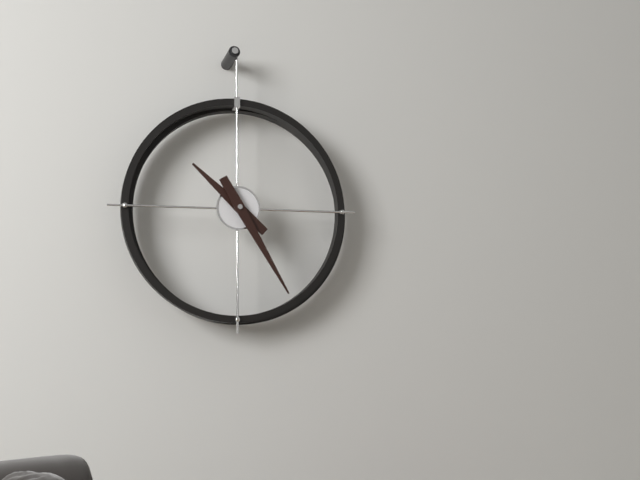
10h25
